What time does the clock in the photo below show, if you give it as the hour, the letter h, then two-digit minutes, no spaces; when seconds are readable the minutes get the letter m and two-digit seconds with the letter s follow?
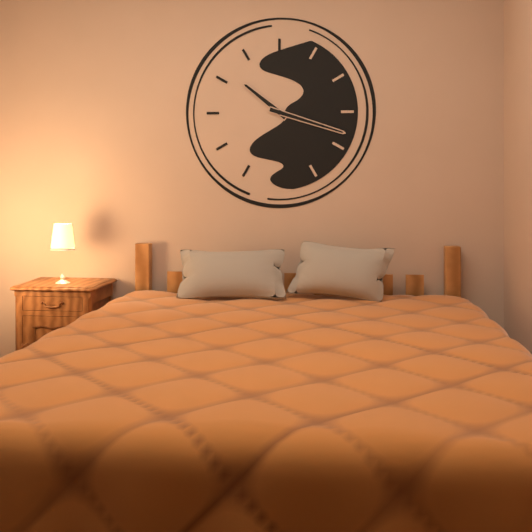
10h18
